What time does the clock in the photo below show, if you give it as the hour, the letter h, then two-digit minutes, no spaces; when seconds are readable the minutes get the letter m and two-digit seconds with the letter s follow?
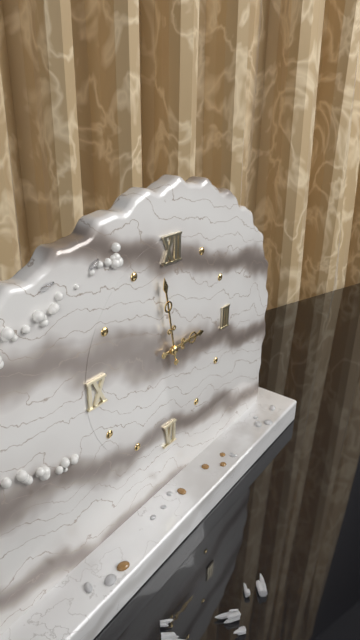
2h58
